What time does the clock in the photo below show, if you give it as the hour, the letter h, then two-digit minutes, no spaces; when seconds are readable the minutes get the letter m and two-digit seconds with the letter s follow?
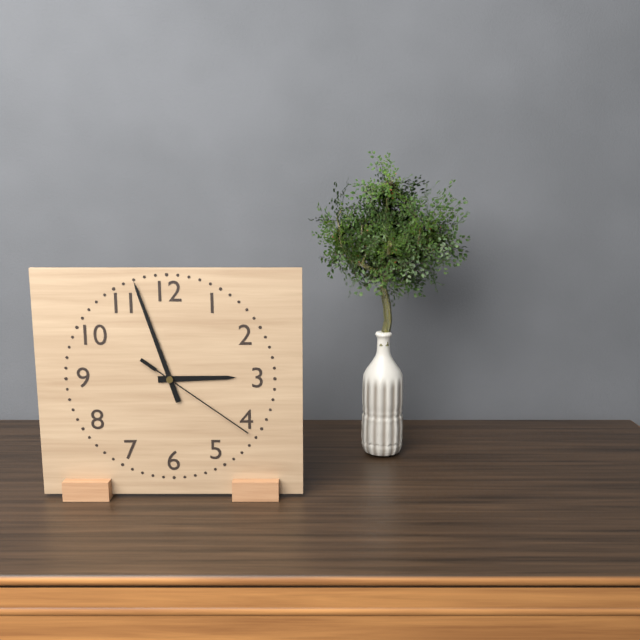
2h57m21s
